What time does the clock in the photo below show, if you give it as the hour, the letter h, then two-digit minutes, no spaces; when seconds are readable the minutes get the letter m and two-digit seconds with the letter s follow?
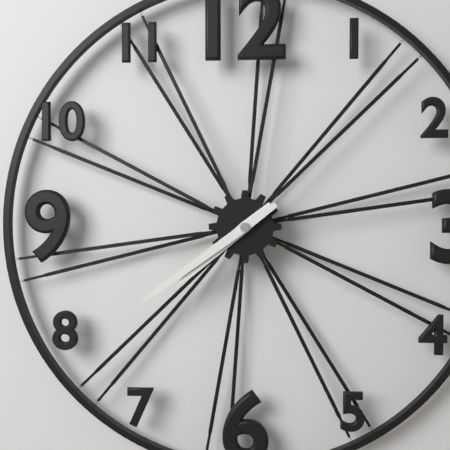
7h39
